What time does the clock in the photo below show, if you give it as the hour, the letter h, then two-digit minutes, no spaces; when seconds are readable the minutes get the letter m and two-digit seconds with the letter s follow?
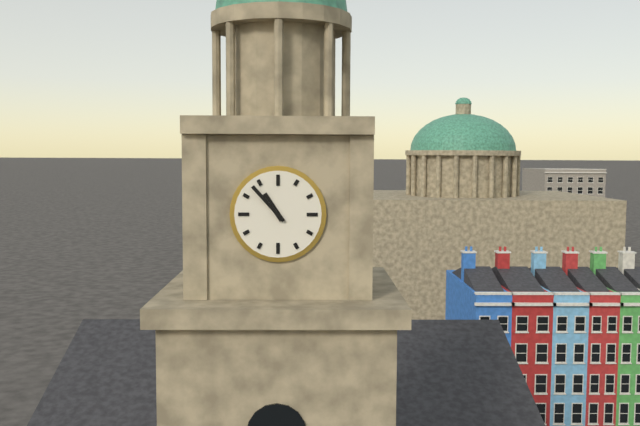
10h53
